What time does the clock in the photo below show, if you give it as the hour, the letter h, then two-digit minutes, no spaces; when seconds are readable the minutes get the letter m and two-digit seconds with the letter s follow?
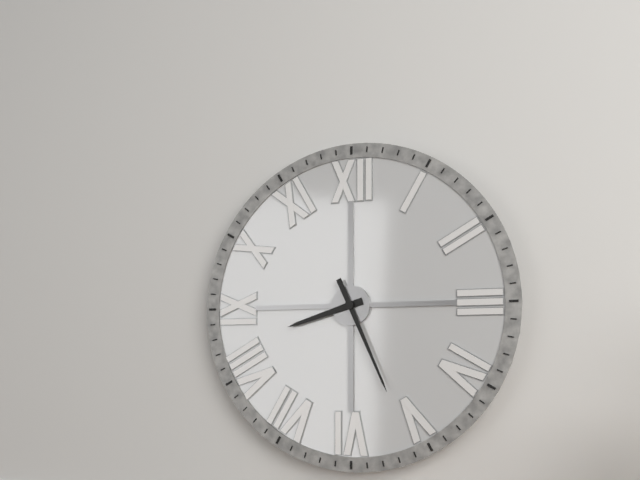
8h26
